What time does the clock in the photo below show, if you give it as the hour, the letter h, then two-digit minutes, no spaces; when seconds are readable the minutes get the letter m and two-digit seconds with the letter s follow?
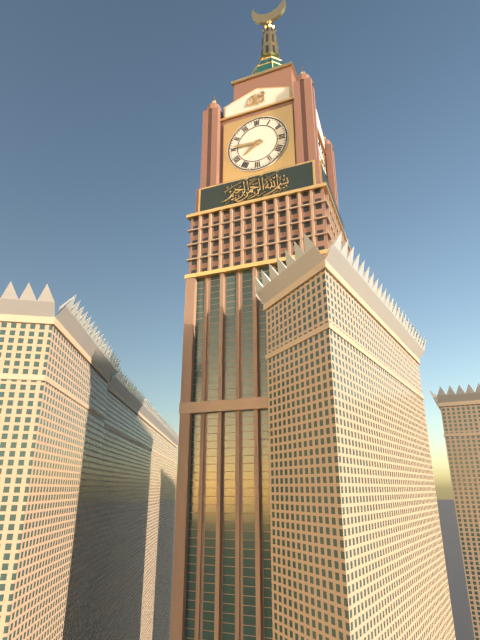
7h46
